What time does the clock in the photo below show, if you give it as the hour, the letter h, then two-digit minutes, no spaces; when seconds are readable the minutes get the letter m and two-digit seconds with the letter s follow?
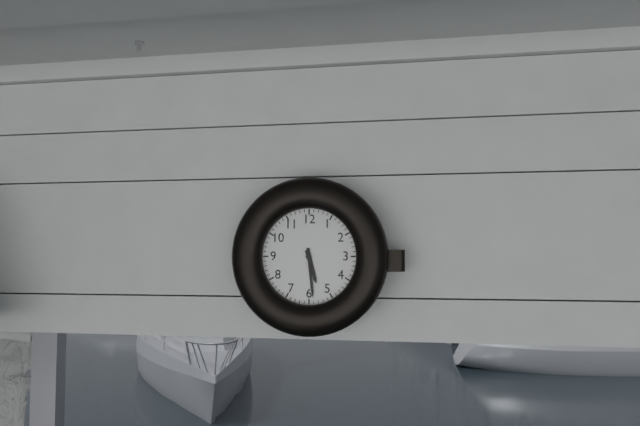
5h29
